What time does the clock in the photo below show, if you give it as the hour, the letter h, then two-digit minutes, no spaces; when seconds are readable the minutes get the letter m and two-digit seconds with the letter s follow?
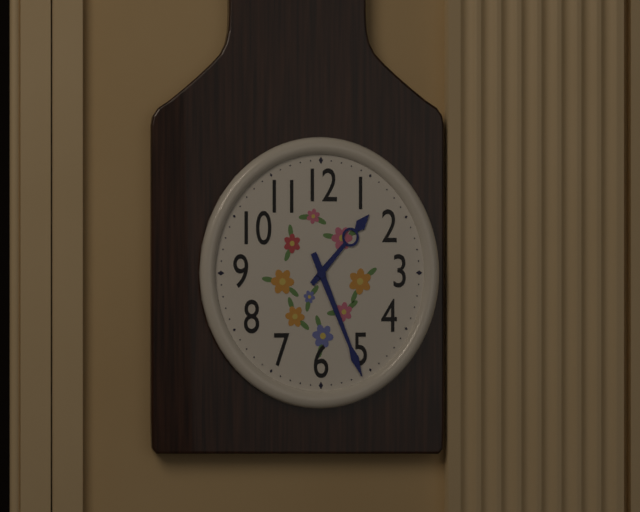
1h26
